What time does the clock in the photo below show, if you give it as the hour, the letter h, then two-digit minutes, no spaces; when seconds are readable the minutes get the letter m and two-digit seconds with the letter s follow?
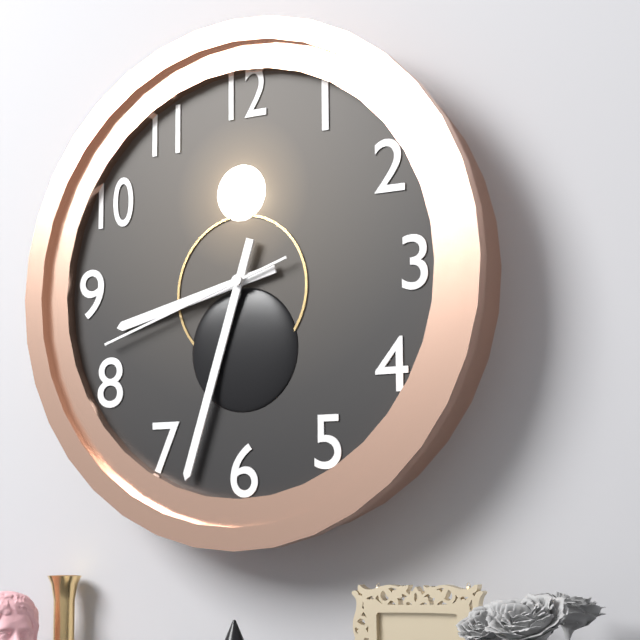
8h33m42s
